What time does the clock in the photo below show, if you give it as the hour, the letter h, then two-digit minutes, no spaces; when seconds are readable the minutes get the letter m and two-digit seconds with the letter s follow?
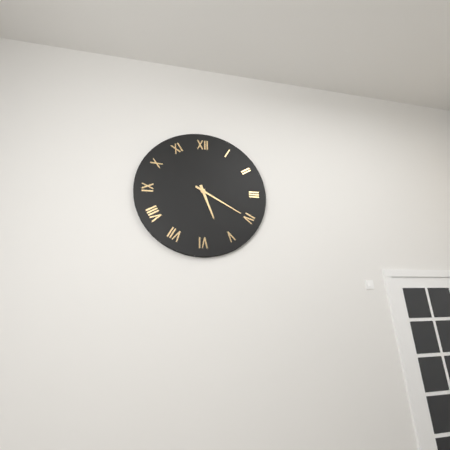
5h20
